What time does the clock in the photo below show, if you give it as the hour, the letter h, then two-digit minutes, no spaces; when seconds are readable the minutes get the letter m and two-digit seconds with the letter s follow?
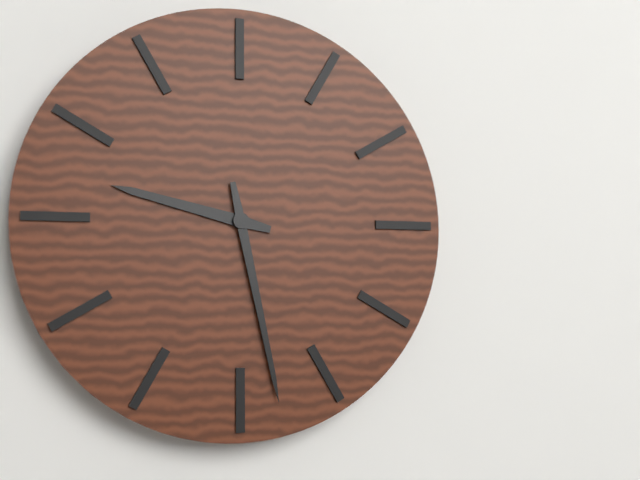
9h28
